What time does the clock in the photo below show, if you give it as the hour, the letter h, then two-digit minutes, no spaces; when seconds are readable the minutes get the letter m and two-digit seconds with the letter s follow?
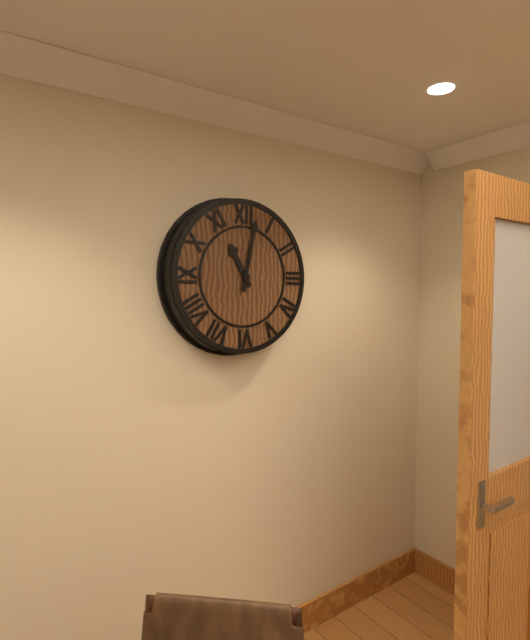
11h02
